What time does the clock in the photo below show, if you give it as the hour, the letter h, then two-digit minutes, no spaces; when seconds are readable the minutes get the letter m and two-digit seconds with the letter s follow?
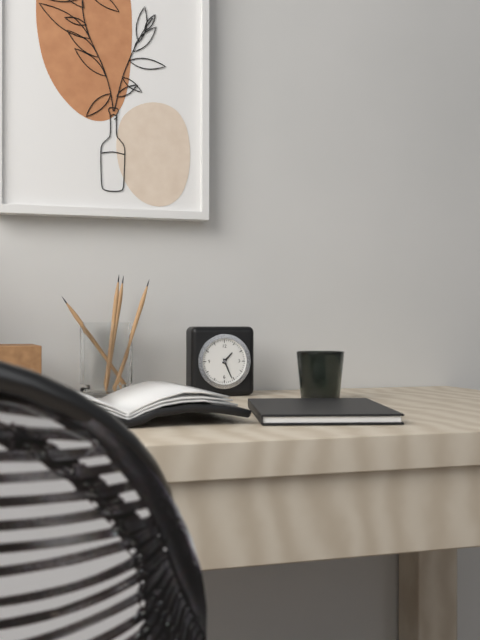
1h26
